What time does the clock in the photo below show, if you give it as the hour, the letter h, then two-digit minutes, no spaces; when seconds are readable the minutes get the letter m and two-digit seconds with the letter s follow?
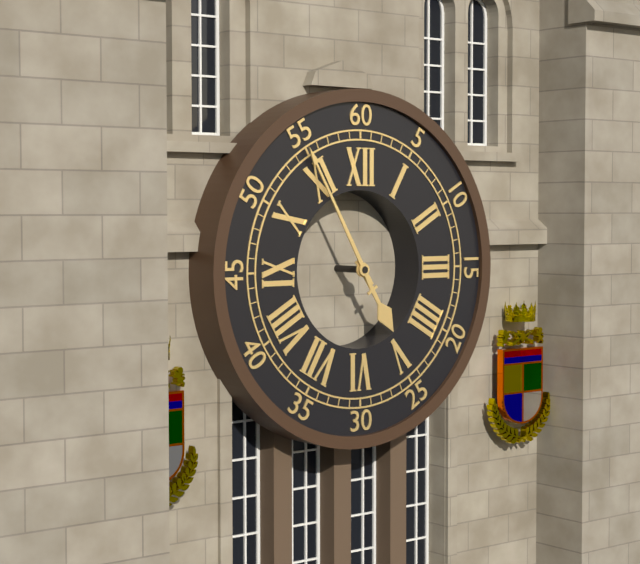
4h55
